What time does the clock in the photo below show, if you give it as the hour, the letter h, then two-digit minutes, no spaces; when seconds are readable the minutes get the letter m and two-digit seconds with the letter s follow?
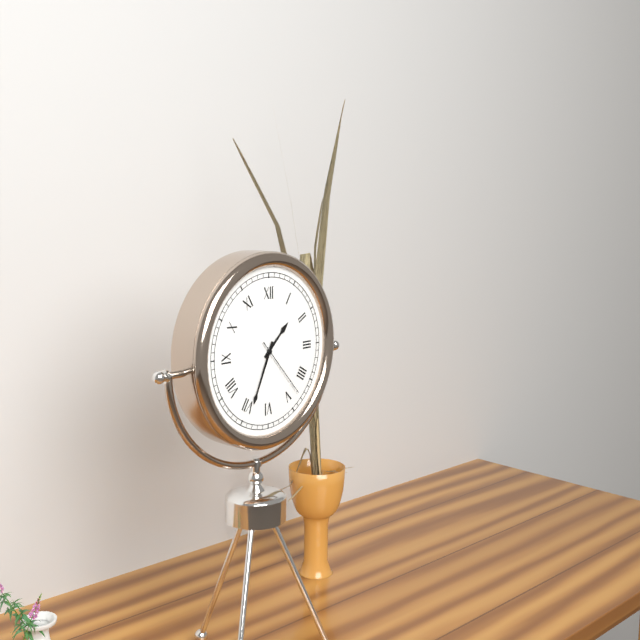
1h34m23s
